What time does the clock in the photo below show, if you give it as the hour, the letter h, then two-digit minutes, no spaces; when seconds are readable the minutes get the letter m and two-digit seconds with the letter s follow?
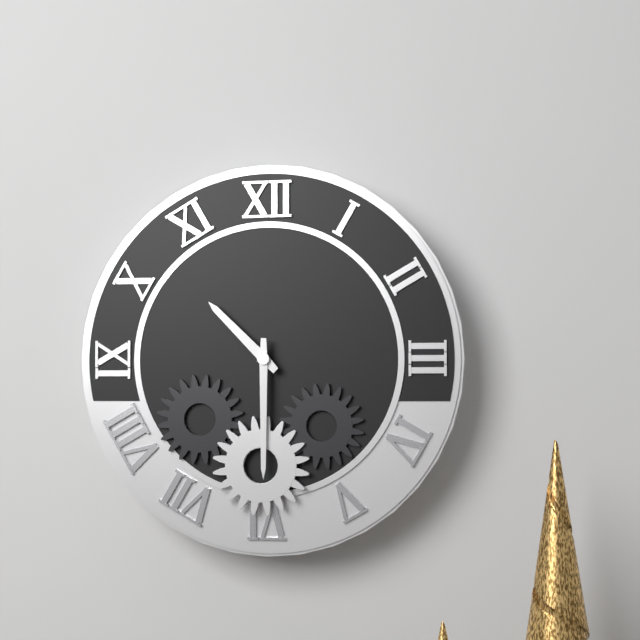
10h30
